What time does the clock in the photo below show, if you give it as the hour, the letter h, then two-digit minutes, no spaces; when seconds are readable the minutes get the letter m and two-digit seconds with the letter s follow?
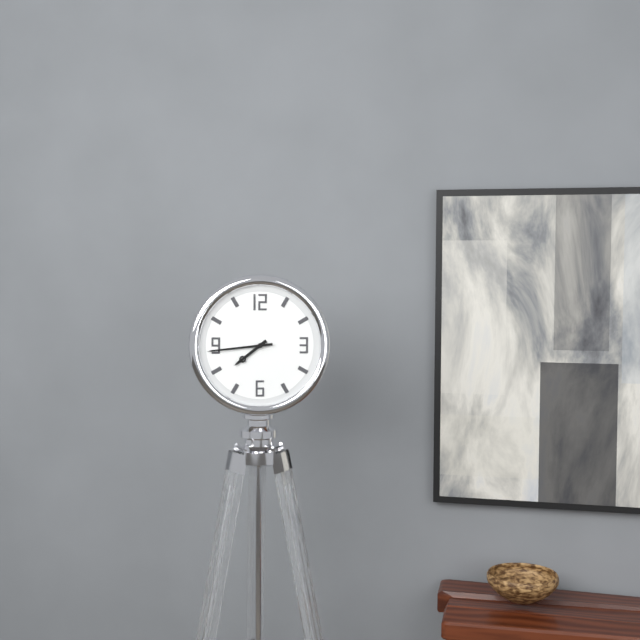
7h44
